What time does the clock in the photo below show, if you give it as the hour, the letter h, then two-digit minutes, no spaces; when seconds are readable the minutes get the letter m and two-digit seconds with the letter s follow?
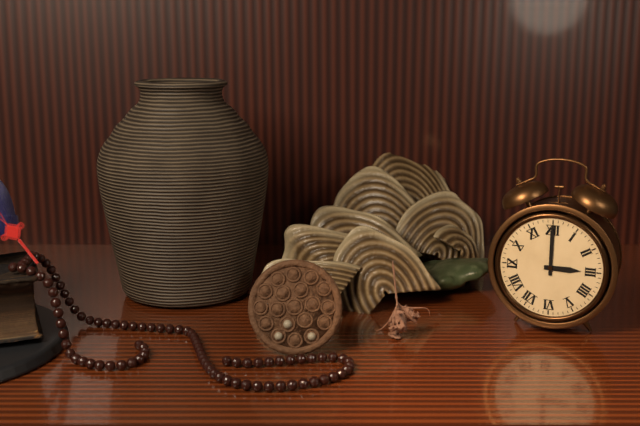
3h00
